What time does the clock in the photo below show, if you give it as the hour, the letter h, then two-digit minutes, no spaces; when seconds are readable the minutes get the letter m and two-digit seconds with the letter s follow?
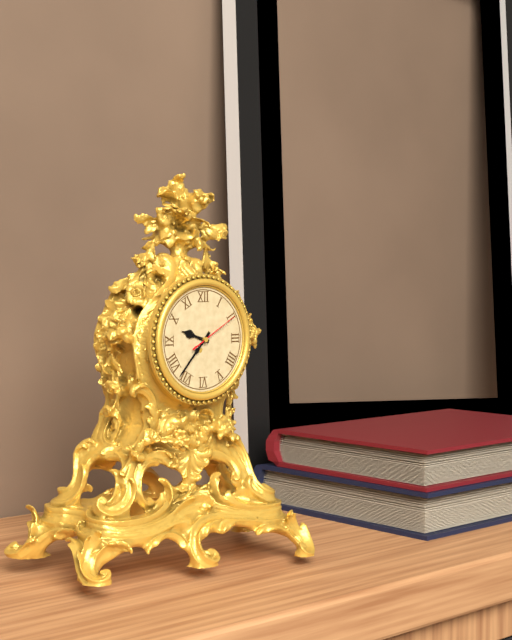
9h37
